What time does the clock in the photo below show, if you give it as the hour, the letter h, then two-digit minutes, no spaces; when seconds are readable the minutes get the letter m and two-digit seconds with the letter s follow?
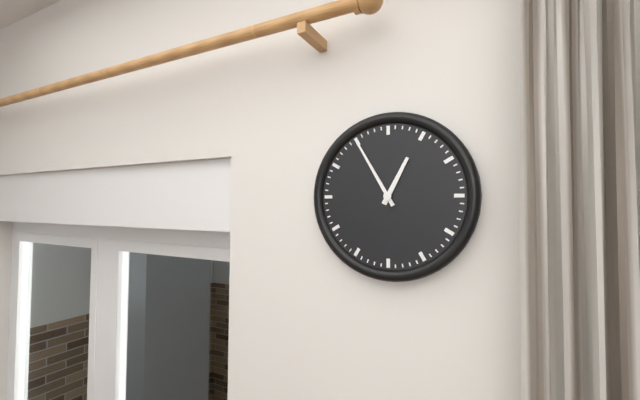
12h55
